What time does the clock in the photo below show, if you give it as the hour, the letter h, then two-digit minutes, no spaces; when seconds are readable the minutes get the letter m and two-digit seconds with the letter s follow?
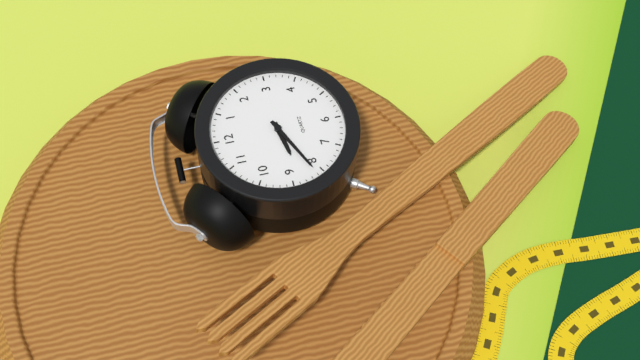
8h41
